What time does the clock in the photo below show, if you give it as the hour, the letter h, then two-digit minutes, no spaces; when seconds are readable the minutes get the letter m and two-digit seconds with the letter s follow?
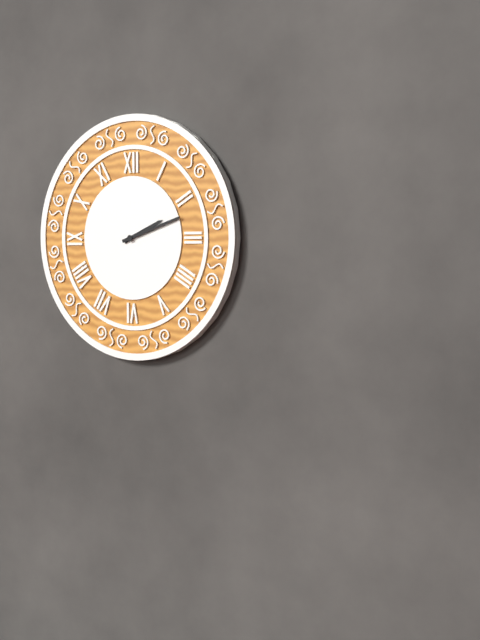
2h12
